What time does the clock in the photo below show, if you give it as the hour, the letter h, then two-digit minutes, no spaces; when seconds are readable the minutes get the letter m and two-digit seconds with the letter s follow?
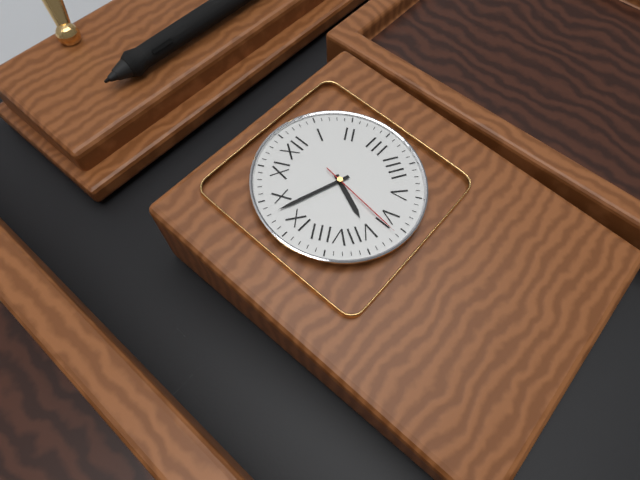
6h48m31s
